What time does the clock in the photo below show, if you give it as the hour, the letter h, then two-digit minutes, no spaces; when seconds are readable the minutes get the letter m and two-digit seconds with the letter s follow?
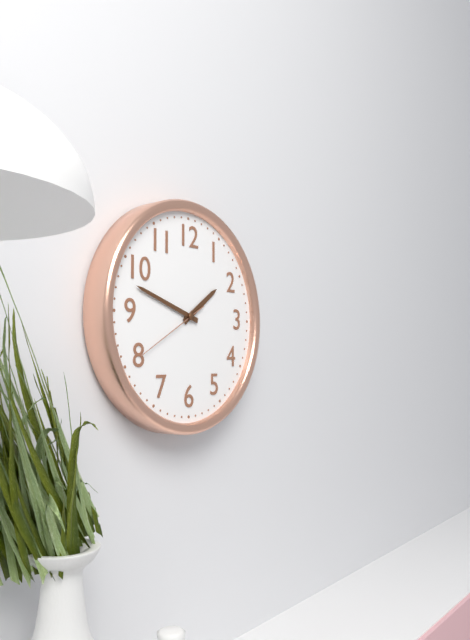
1h48m40s
